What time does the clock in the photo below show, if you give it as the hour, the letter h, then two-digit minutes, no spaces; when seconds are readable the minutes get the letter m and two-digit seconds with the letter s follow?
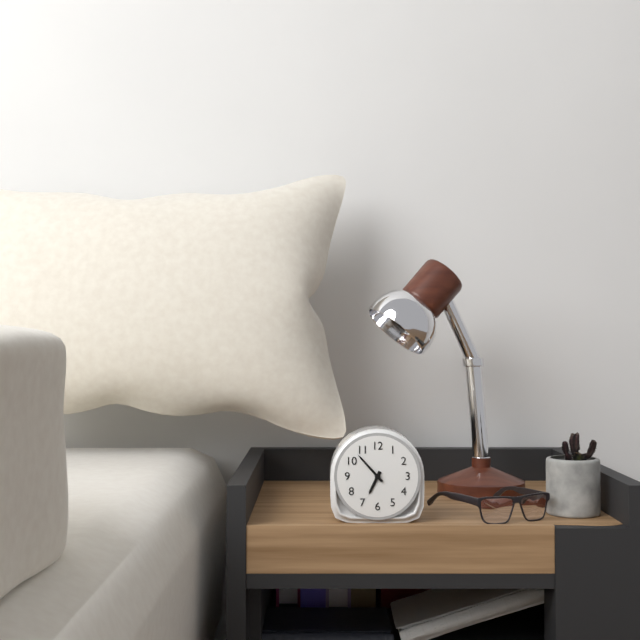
6h53
